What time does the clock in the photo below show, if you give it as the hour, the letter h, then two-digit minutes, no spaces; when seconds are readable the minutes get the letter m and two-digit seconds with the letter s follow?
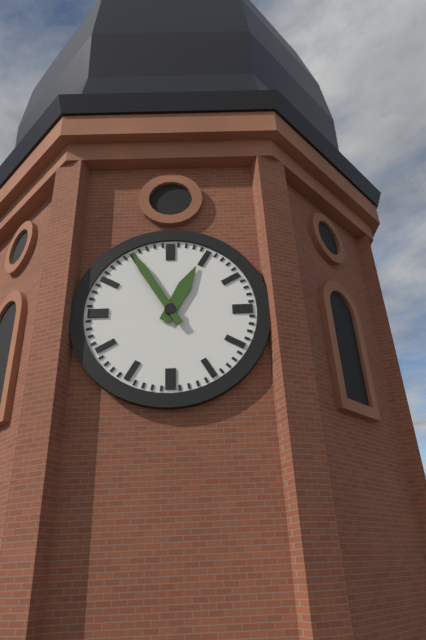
12h55
